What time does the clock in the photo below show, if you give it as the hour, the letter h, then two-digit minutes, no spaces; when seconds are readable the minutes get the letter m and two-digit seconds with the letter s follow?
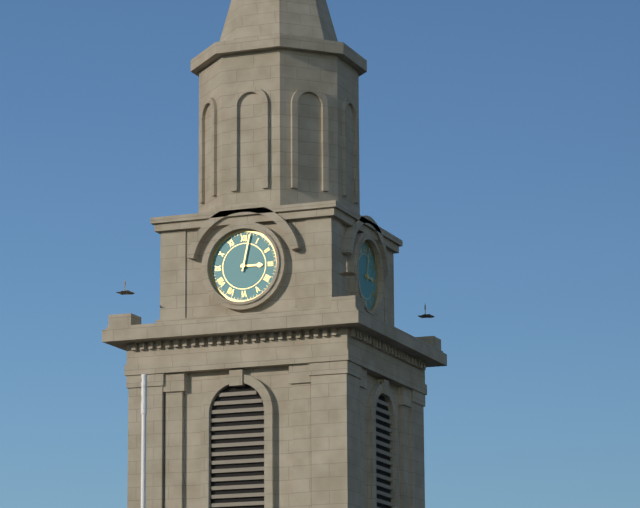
3h02
